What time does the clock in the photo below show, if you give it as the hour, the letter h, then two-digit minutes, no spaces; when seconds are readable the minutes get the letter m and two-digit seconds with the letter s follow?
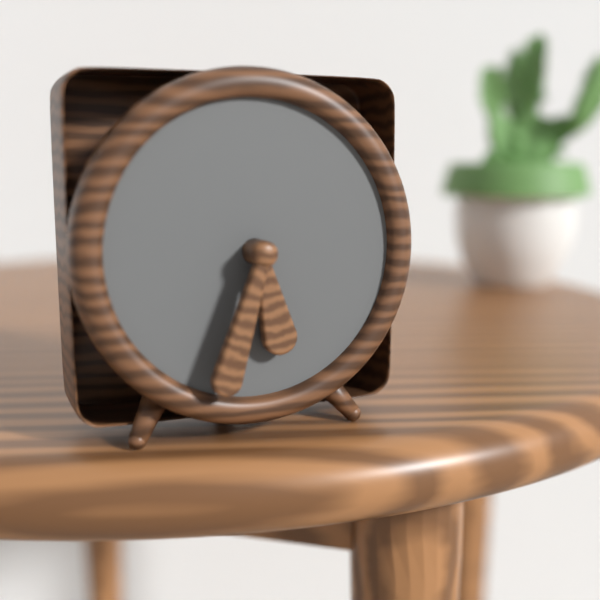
5h33
